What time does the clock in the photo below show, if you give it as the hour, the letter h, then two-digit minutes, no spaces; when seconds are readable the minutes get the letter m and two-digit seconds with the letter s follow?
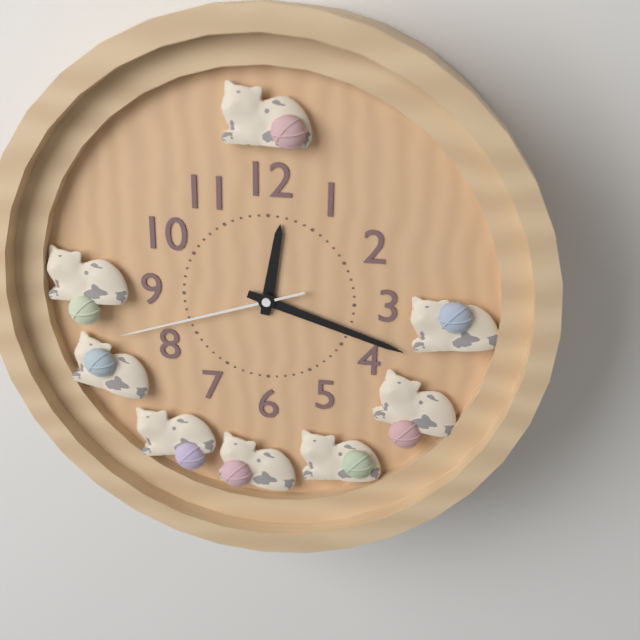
12h18m42s
